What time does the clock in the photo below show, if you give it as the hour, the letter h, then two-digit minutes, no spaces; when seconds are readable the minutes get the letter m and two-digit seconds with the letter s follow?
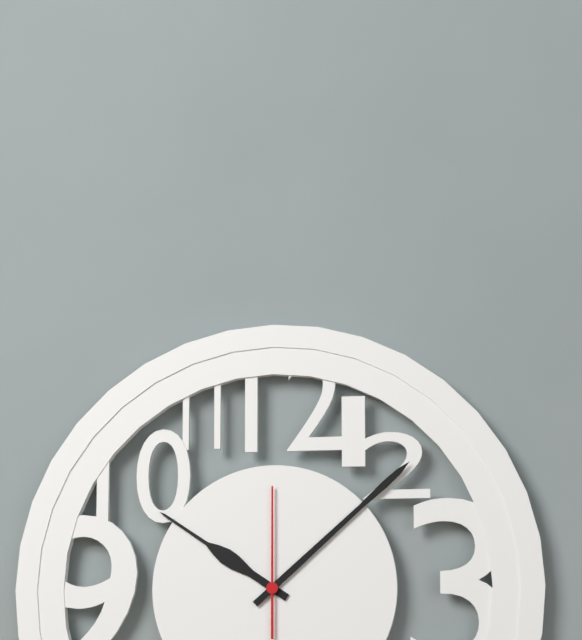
10h08m00s
